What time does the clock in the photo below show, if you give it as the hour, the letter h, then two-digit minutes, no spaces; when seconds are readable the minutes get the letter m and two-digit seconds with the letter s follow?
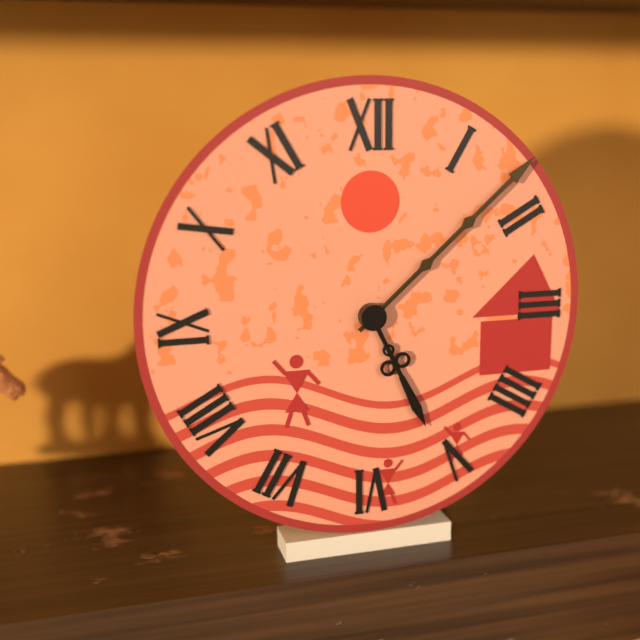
5h08
